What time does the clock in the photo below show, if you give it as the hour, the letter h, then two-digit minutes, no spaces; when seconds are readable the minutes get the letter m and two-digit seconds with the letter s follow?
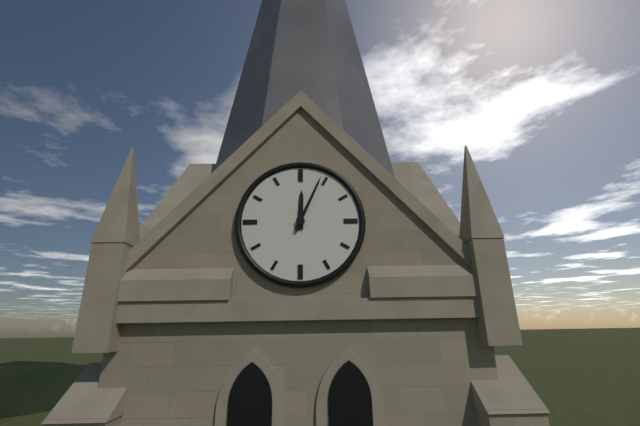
12h04
